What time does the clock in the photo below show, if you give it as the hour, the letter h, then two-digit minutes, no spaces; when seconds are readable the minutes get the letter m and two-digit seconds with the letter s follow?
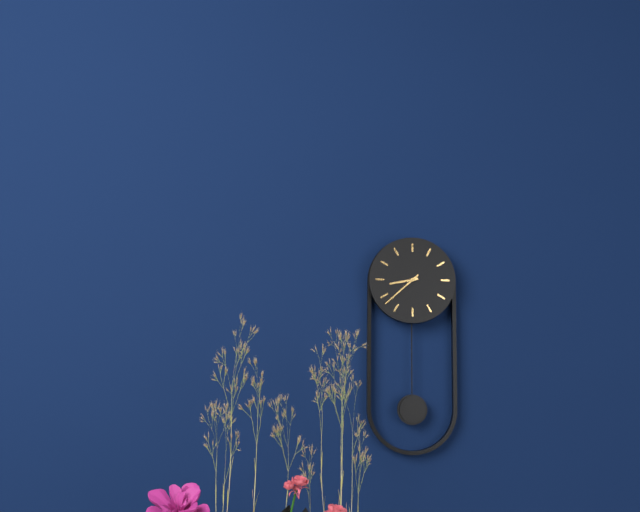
8h38
